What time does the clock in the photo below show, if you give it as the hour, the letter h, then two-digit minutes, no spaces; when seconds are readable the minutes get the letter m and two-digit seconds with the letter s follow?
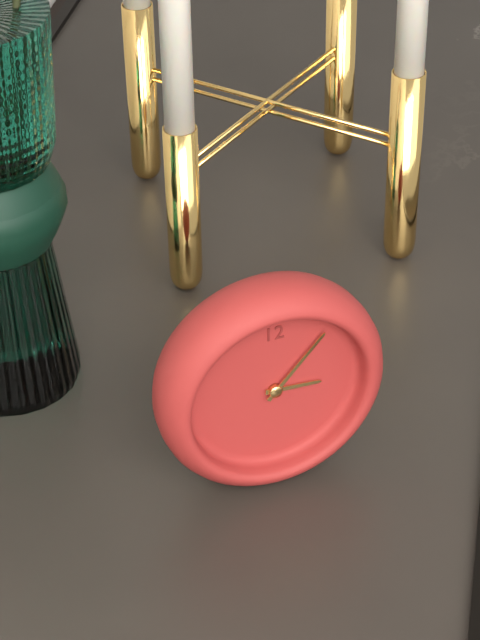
3h07
